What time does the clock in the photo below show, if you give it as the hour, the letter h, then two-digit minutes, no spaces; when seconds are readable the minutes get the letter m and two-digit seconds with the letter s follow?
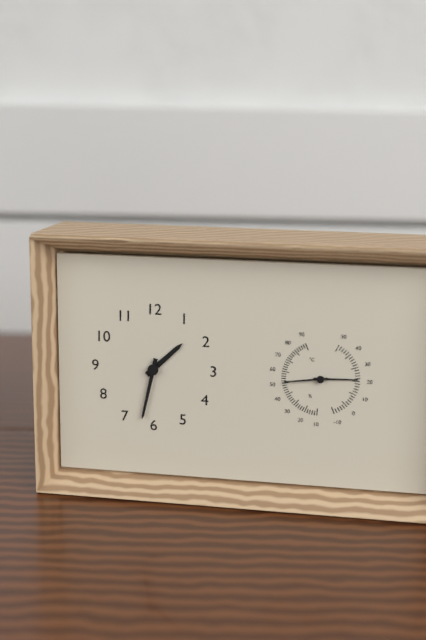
1h32
